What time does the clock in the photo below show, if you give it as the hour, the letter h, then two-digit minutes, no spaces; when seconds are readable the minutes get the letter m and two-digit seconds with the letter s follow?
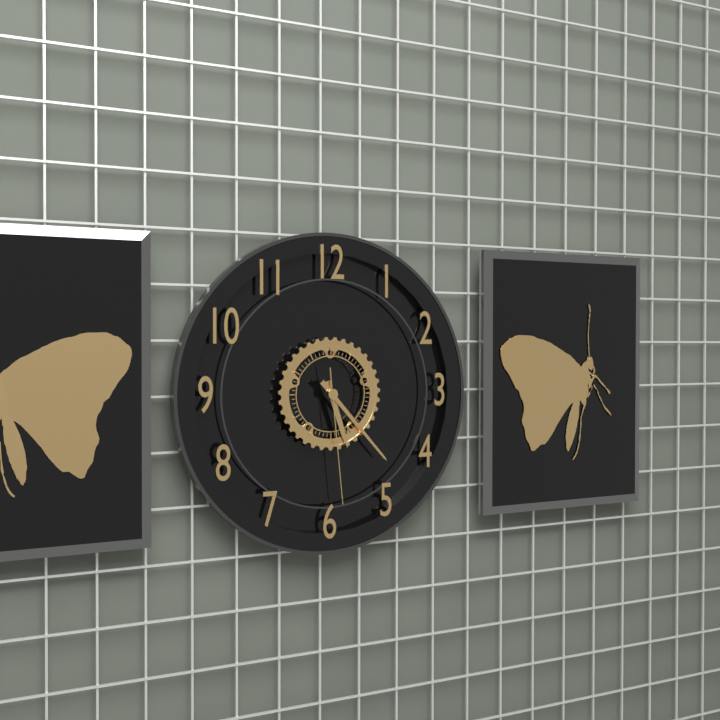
5h23m29s
